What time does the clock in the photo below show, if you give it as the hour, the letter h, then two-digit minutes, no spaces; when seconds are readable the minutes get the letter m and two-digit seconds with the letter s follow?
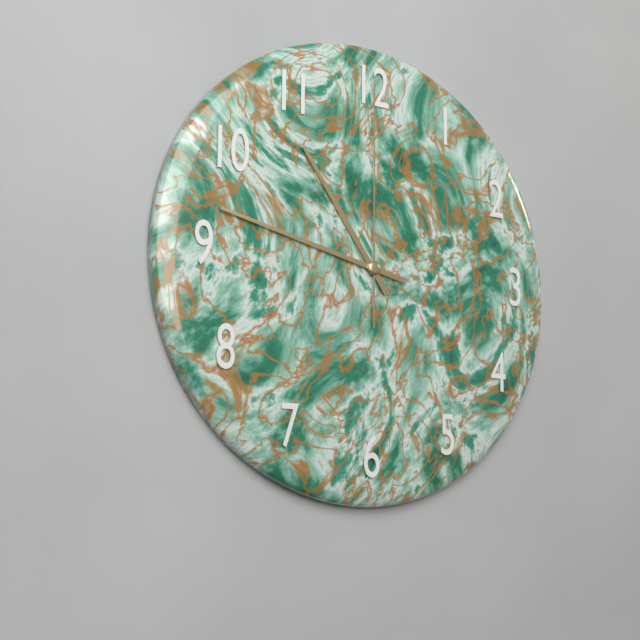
10h47m00s
